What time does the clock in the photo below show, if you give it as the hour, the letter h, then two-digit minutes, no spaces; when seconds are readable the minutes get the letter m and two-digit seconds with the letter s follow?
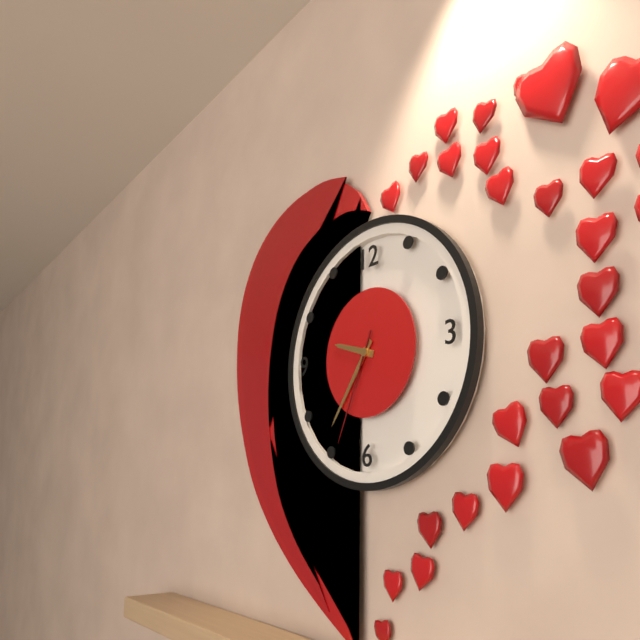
9h36m34s
